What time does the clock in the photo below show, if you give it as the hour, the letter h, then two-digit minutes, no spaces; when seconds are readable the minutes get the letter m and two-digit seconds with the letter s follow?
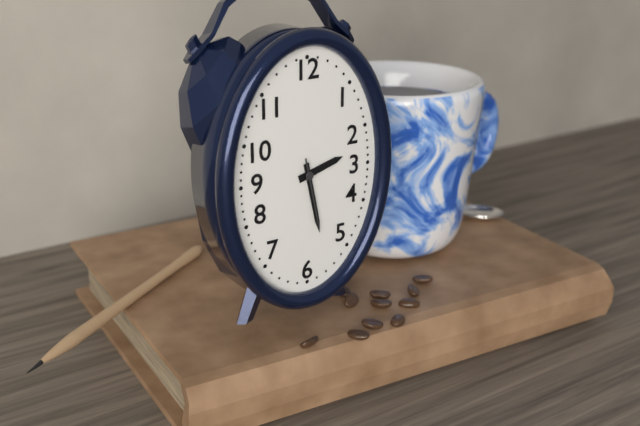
2h28m28s
